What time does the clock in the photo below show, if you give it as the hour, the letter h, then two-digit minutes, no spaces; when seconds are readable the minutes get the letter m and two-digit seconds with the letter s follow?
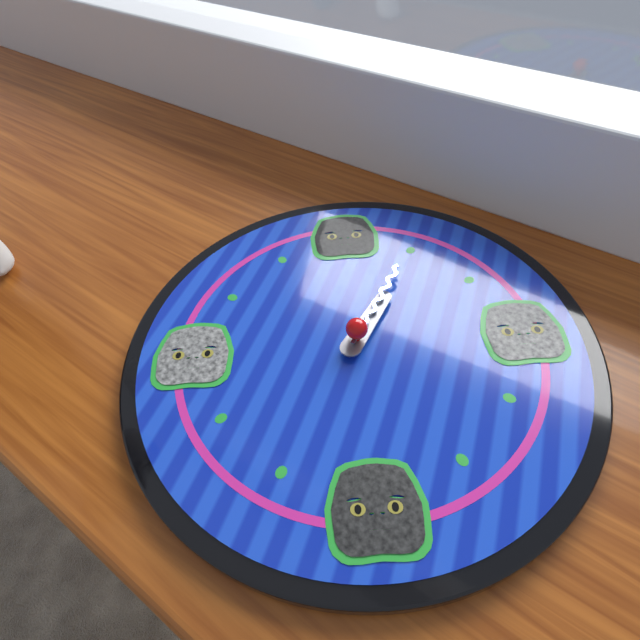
1h05
